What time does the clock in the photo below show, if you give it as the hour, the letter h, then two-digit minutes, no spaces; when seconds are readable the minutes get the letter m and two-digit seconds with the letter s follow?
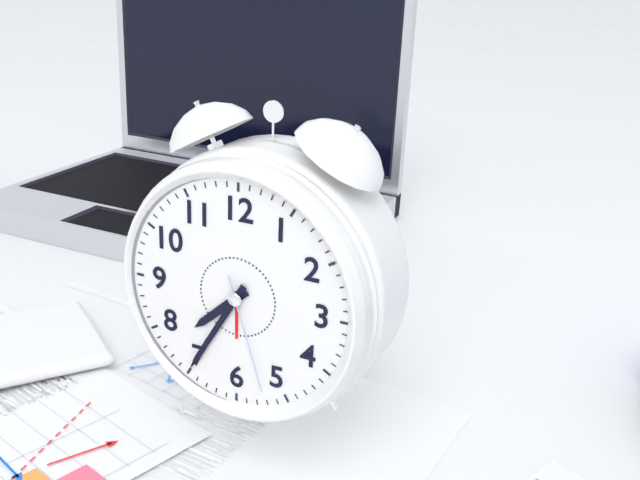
7h35m27s
